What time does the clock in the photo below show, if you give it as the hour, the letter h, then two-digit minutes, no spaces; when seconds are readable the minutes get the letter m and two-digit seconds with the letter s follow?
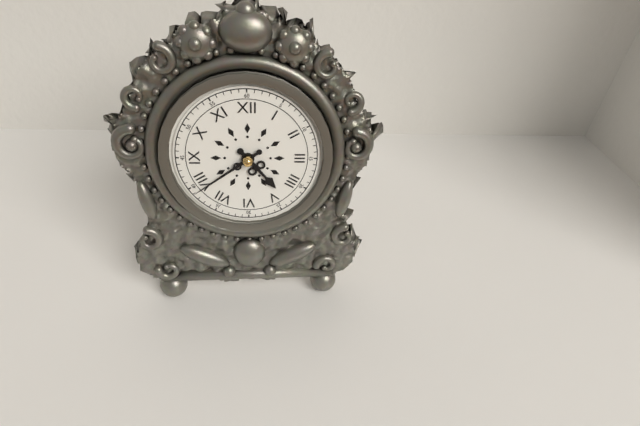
4h39
